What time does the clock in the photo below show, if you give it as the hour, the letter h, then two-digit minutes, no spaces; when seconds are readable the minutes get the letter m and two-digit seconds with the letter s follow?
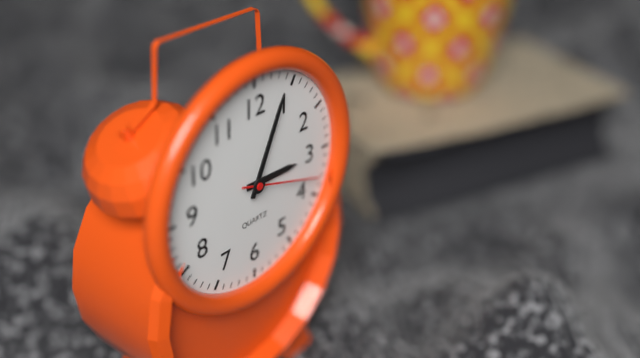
3h04m18s
